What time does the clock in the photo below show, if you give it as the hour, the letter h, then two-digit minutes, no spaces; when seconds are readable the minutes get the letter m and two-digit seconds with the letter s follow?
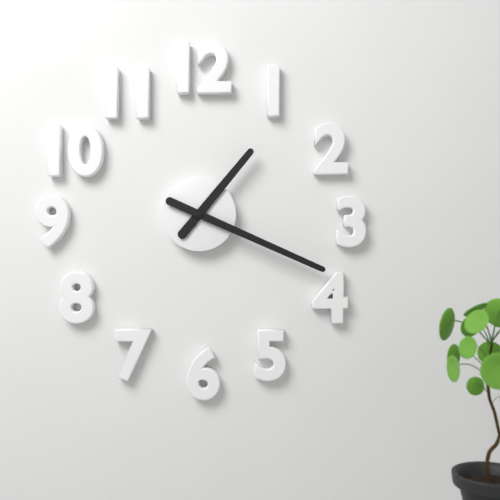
1h19
